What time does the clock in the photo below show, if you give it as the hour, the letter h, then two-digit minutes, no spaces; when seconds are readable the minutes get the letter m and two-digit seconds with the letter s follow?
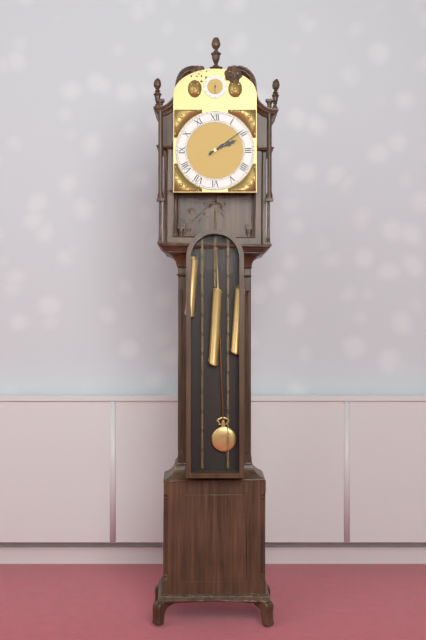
2h09
